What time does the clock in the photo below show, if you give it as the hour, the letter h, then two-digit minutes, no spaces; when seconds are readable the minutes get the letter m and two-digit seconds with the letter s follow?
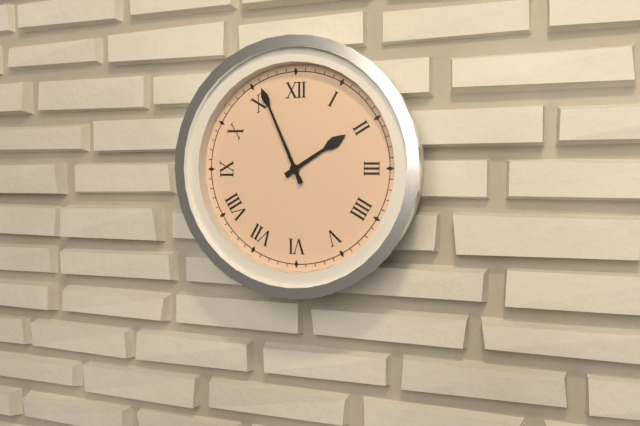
1h56
